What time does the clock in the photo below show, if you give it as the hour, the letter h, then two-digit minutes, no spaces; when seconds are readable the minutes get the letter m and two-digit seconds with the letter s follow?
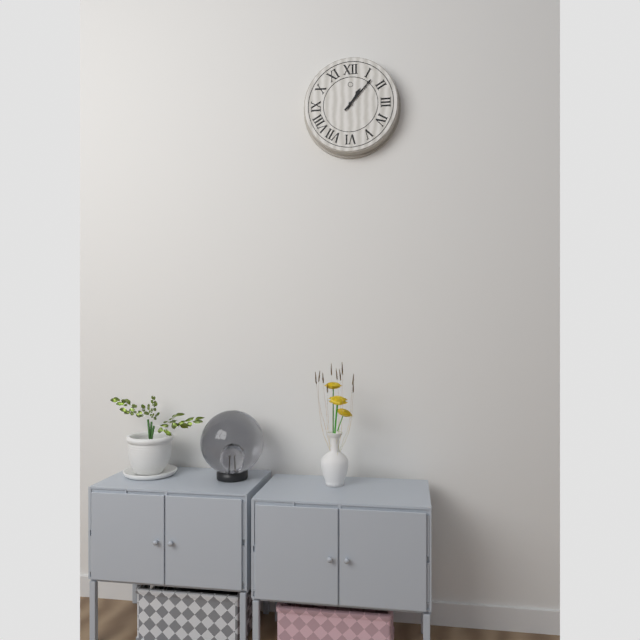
1h07
